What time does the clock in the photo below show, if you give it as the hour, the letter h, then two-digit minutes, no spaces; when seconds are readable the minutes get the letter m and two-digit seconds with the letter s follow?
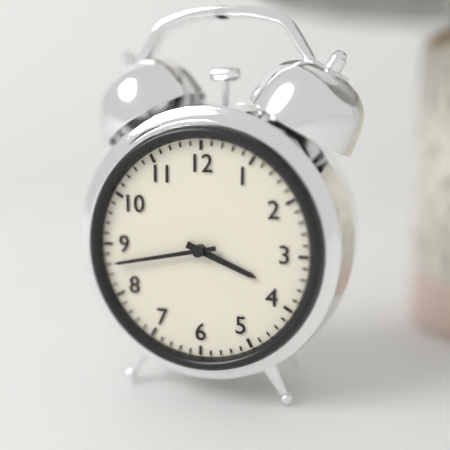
3h43
